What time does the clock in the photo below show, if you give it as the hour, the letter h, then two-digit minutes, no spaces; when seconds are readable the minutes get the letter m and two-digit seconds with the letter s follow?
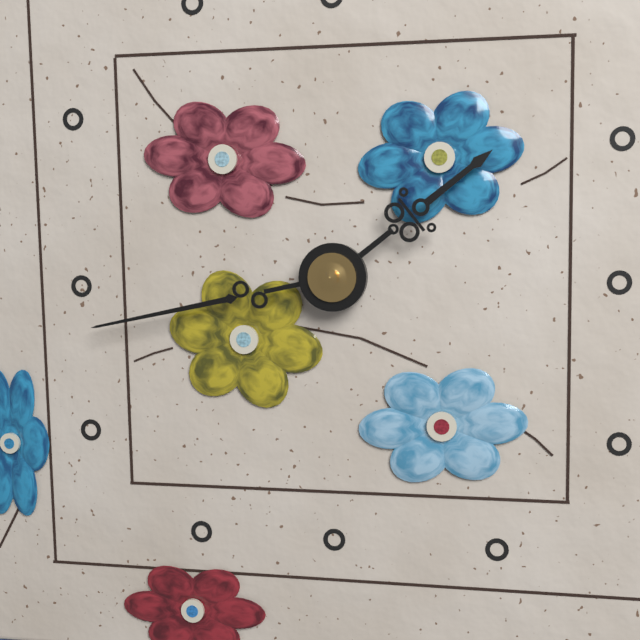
1h43
